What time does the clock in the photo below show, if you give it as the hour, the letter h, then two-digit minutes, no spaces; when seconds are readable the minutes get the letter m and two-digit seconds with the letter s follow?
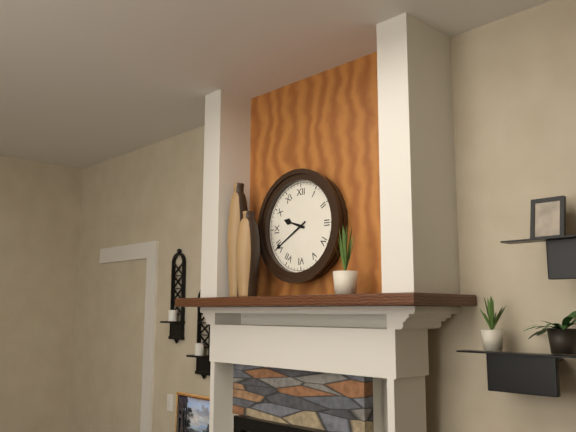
9h40
